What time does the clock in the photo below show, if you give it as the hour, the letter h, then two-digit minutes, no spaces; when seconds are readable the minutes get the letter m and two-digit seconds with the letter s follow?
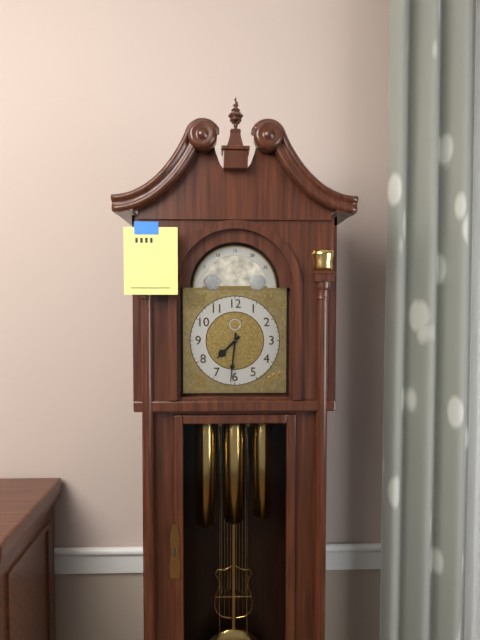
7h31
